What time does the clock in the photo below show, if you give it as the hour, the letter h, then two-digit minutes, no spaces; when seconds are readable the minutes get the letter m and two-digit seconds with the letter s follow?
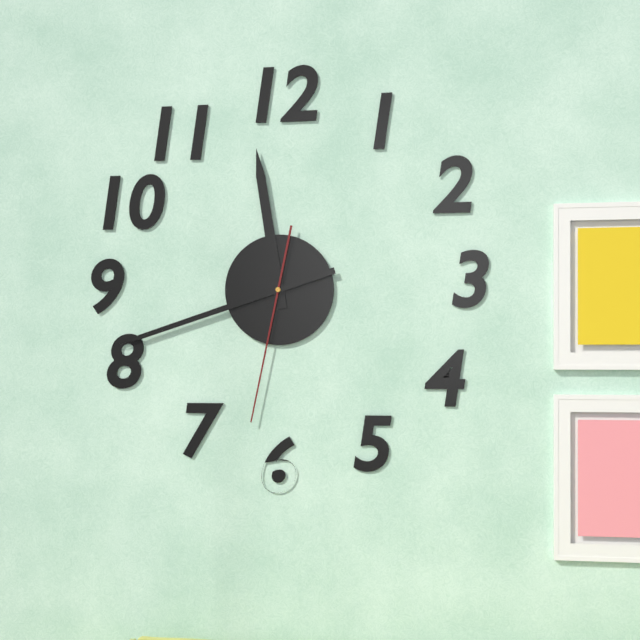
11h42m32s
